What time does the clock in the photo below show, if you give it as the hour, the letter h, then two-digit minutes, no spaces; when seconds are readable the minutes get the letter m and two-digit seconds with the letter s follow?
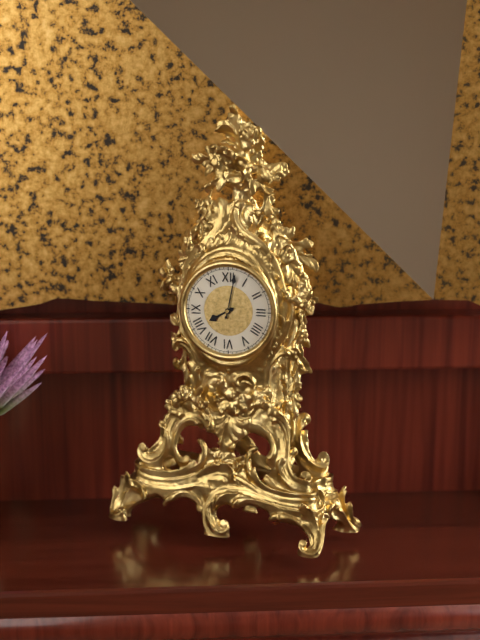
8h02
